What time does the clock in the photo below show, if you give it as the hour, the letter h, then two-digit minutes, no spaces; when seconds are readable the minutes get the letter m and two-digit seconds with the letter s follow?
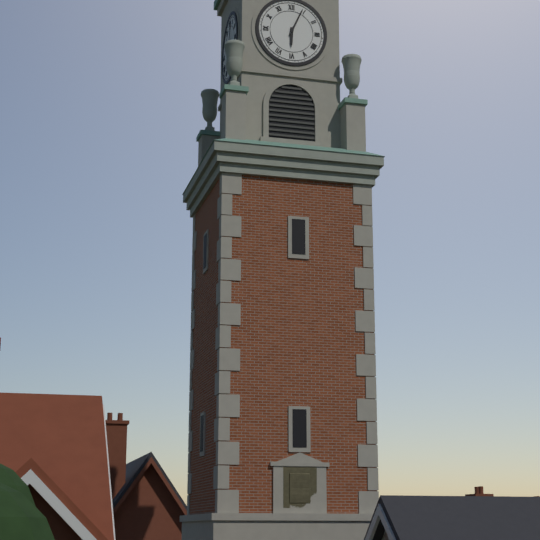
6h04
